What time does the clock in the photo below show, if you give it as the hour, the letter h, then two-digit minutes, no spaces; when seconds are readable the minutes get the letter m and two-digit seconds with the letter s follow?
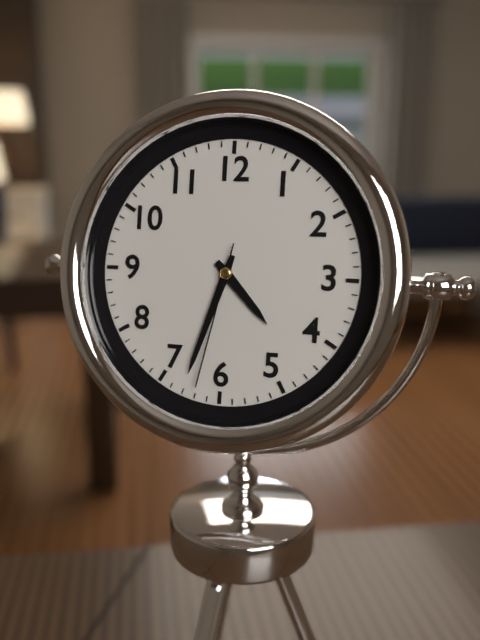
4h33m32s
